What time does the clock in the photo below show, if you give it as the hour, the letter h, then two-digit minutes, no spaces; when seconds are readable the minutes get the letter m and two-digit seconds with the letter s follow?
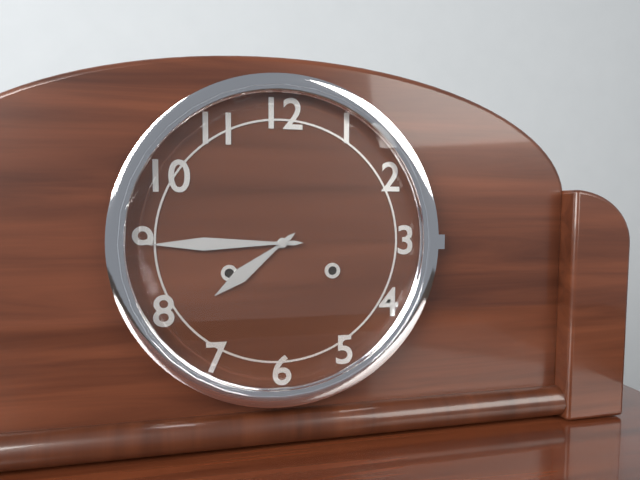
7h45
